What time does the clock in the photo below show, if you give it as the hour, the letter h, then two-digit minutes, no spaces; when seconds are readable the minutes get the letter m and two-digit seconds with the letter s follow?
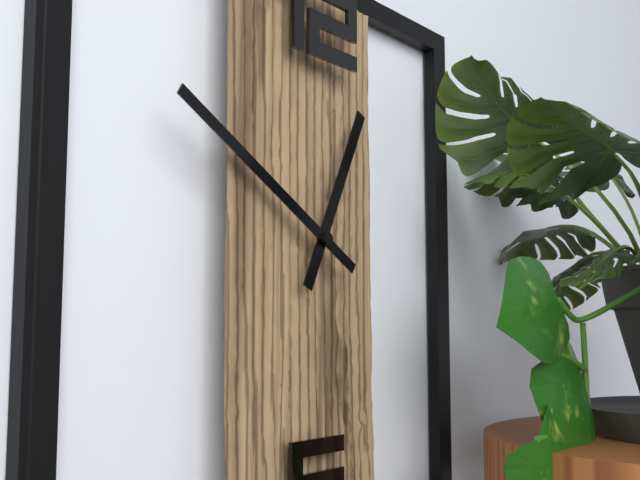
12h50
